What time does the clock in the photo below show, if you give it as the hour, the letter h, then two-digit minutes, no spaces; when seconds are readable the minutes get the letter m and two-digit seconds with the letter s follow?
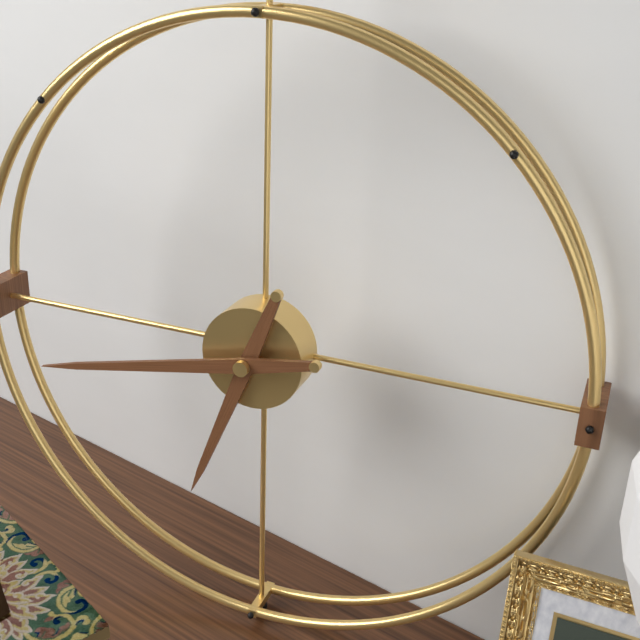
6h43
